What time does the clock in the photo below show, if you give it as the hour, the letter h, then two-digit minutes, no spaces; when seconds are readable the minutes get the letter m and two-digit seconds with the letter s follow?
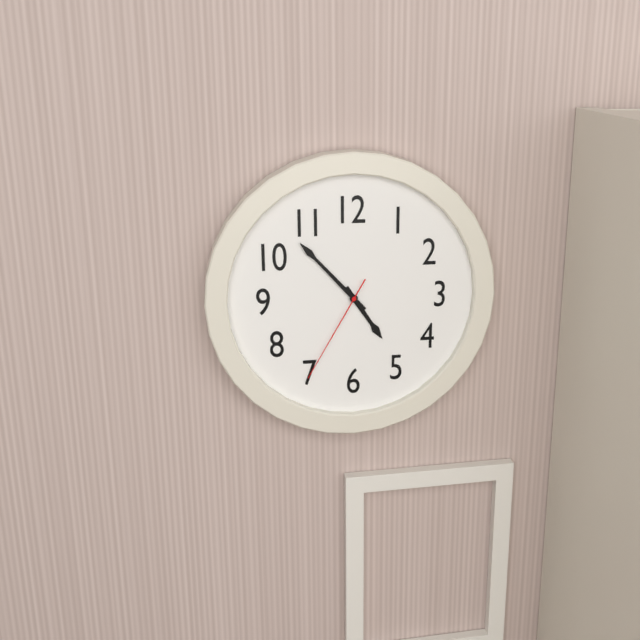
4h53m35s
